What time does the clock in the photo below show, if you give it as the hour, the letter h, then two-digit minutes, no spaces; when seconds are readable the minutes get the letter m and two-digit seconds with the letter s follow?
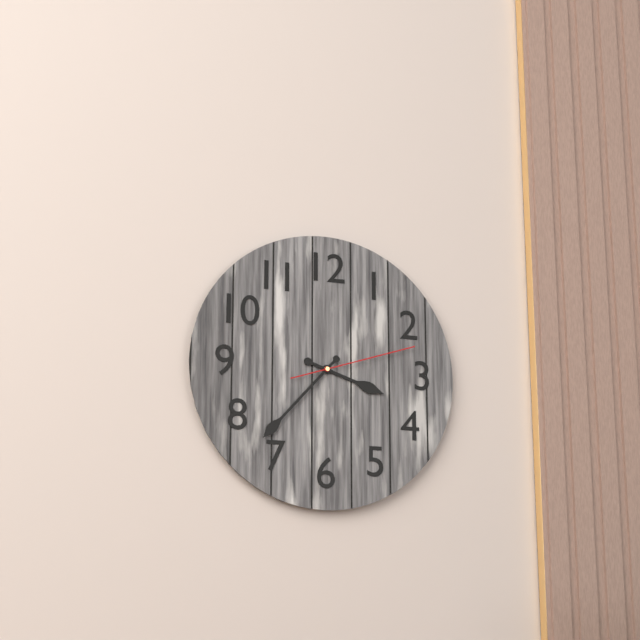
3h37m12s
